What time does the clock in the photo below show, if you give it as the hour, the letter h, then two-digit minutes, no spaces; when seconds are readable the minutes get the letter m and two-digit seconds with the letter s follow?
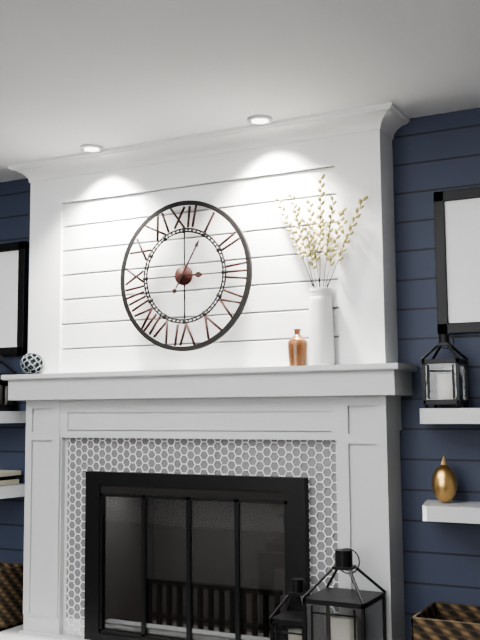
3h05
